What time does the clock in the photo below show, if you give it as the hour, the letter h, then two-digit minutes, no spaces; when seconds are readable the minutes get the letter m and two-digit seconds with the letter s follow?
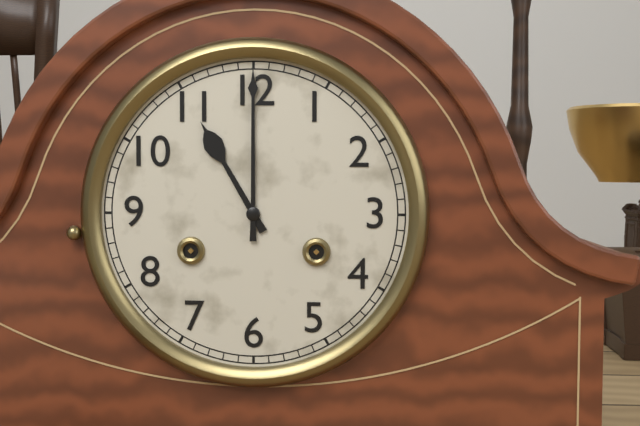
11h00
